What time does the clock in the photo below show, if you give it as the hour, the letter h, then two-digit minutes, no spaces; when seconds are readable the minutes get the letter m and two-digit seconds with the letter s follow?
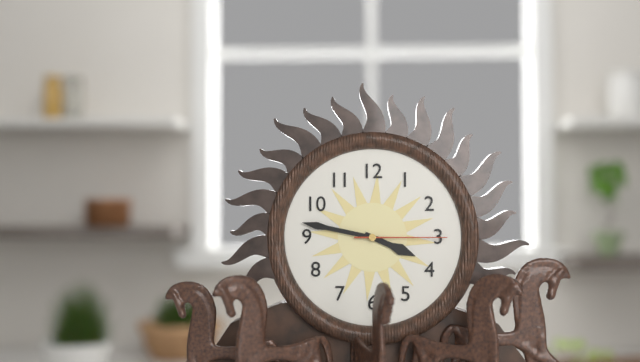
3h47m15s
